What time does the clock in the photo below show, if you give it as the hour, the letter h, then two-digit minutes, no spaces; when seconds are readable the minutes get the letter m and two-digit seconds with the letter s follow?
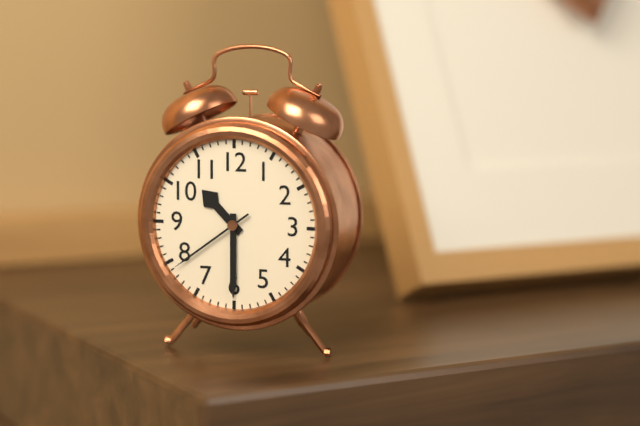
10h30m39s
